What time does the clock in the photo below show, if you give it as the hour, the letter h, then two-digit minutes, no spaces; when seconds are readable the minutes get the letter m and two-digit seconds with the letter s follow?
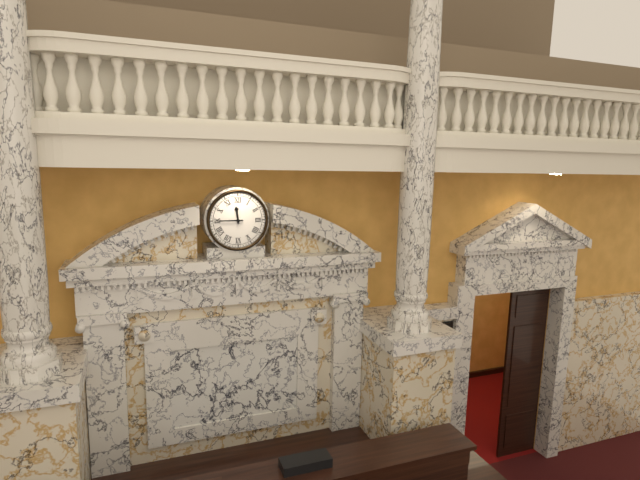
11h45
